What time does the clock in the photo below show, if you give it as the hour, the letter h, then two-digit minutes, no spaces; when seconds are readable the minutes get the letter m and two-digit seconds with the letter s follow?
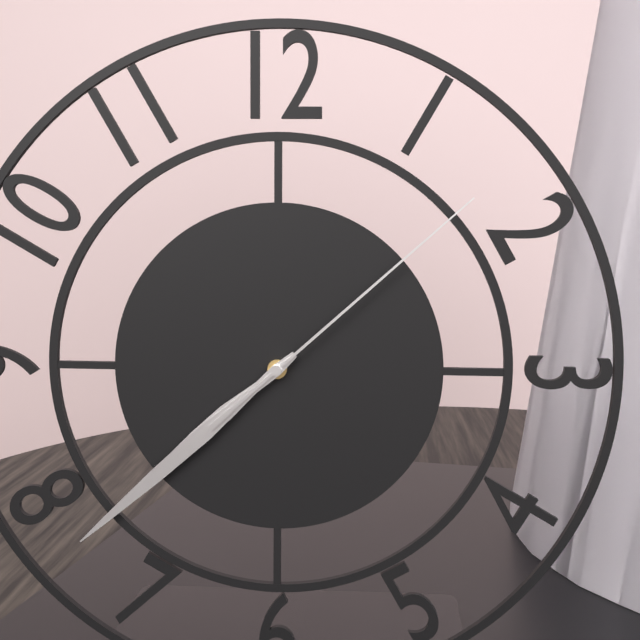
7h38m08s
